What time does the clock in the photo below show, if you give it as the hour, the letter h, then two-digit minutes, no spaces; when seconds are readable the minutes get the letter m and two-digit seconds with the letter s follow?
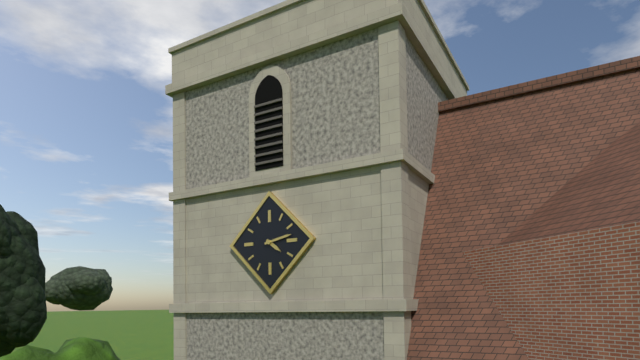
4h13
